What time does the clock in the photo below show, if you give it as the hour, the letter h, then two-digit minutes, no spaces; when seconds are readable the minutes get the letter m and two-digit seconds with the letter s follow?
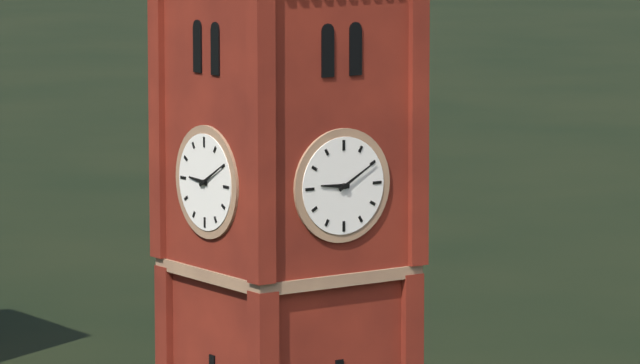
9h10
